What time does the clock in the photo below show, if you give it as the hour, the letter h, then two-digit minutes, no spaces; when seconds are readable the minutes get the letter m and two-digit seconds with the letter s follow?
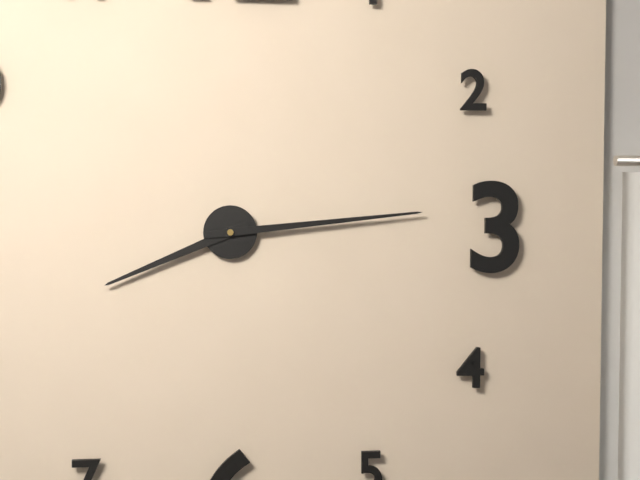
8h14
